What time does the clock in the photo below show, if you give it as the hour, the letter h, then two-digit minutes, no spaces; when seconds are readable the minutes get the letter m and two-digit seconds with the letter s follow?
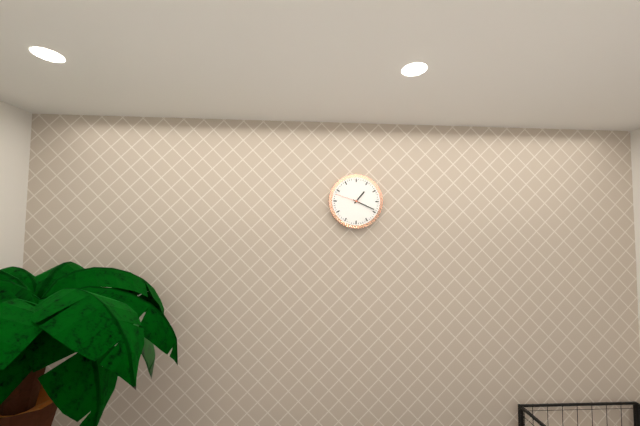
1h19
